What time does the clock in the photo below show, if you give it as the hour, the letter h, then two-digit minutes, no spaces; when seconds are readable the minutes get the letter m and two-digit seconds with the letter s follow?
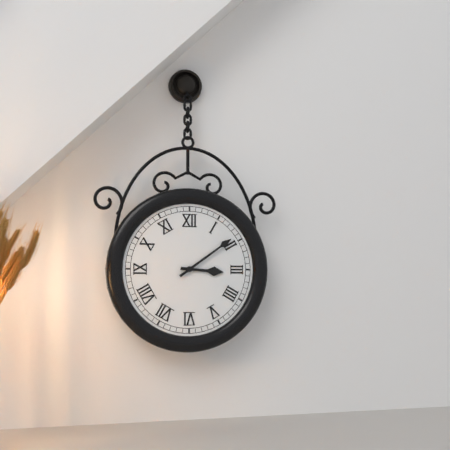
3h09
